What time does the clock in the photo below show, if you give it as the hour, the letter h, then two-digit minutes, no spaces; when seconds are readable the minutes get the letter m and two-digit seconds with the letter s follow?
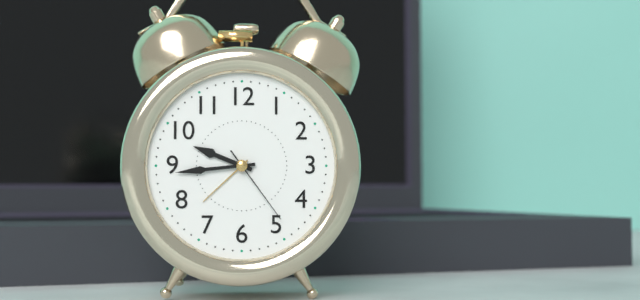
9h44m24s
